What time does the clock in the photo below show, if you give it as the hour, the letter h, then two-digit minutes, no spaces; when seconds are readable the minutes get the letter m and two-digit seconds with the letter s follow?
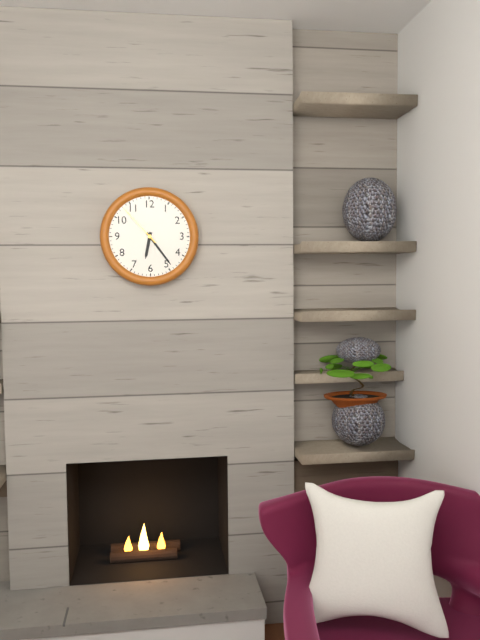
6h24
